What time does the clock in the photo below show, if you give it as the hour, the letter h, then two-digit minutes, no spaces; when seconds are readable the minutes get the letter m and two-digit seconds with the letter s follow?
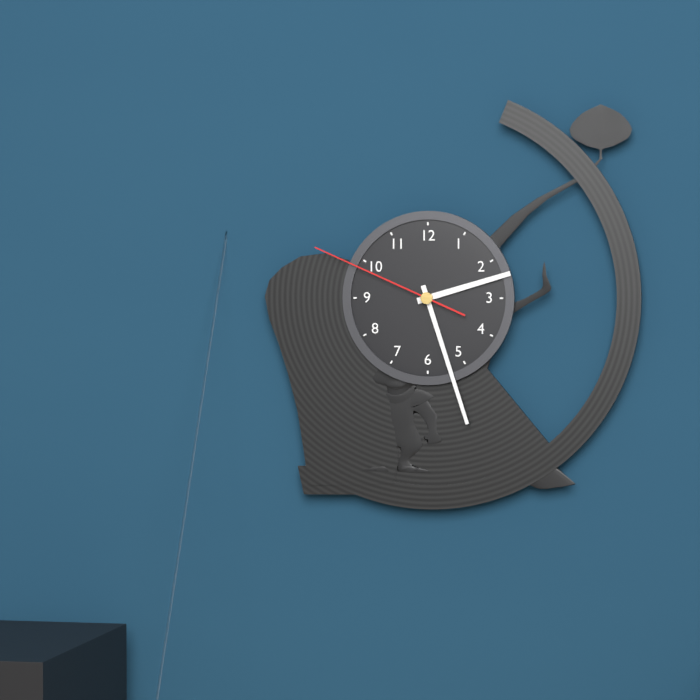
2h27m49s
